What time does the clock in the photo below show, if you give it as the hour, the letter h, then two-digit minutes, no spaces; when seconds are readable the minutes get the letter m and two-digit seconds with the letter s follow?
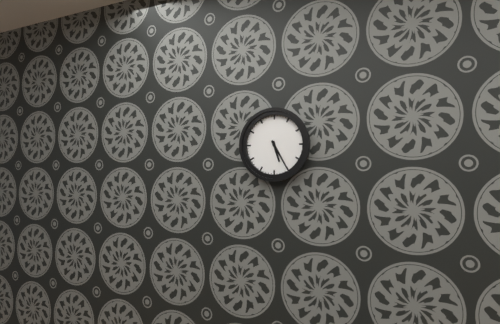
5h25
